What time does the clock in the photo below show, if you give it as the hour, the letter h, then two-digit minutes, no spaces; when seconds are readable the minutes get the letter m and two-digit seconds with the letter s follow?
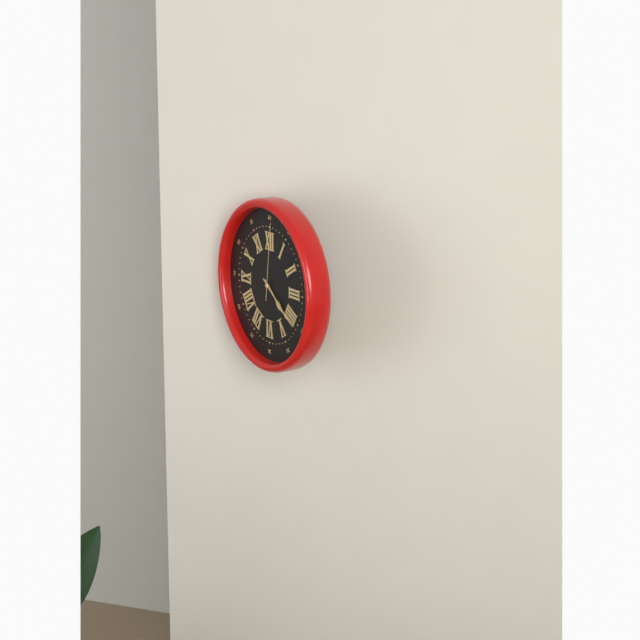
4h21m01s
